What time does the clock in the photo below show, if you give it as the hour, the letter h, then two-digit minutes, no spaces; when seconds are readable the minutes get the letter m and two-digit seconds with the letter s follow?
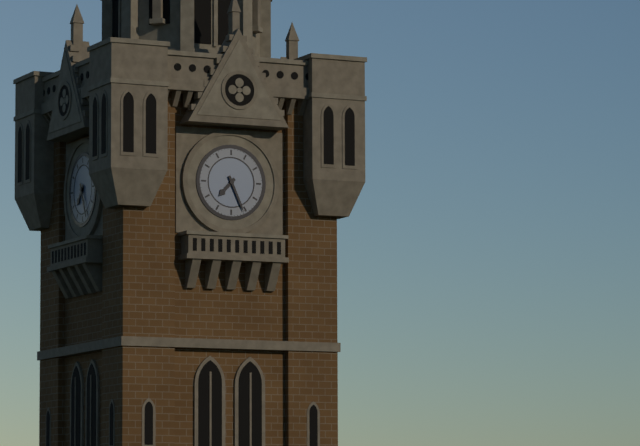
7h26
